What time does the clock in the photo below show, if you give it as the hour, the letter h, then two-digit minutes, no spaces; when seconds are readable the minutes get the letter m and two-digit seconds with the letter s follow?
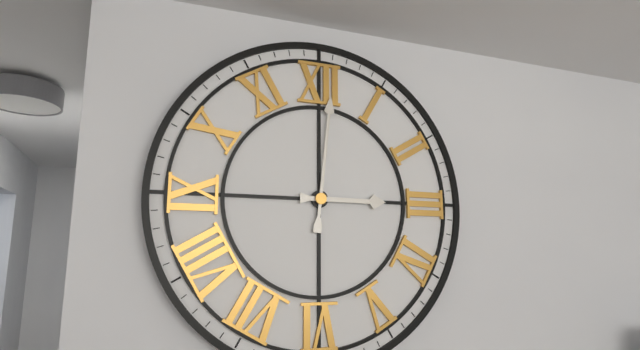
3h01
